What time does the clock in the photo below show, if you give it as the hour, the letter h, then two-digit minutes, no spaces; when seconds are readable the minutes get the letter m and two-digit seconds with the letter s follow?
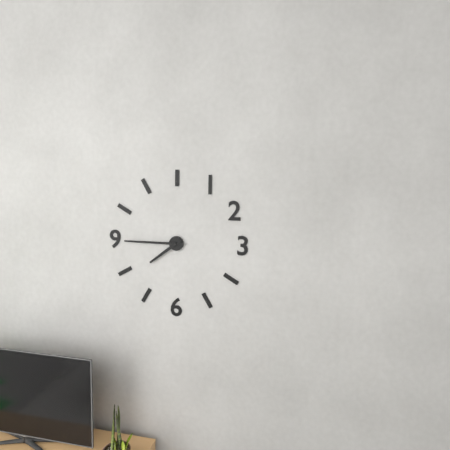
7h45
